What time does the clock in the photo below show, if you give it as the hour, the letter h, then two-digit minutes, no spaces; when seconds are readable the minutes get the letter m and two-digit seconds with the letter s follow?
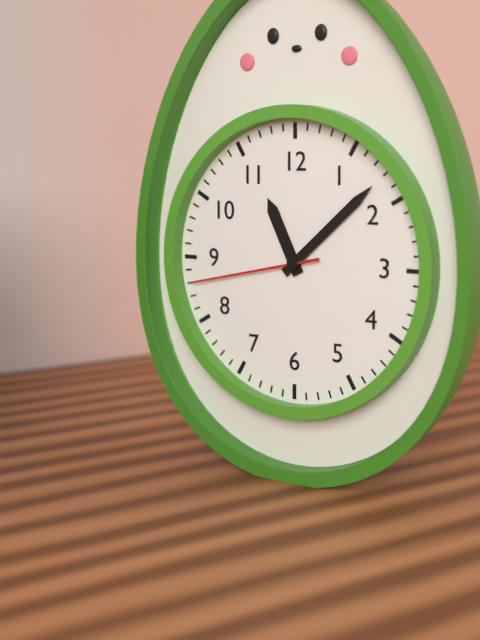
11h08m43s
